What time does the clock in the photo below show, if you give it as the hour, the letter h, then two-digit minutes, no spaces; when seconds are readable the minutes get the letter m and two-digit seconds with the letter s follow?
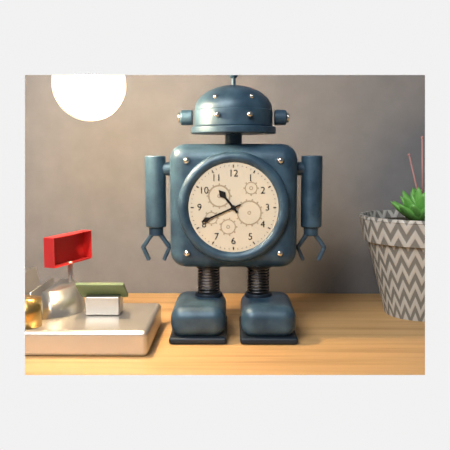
10h41
